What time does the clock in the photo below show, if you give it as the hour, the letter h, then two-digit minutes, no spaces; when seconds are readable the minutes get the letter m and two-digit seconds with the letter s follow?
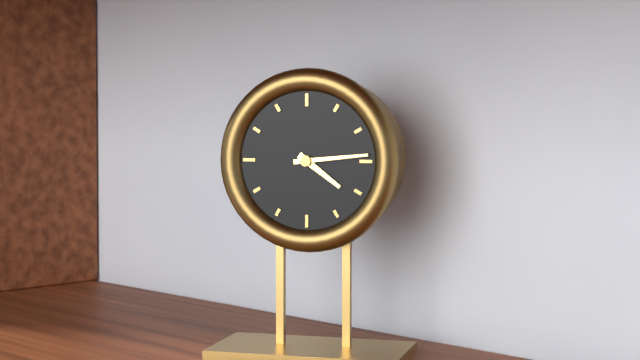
4h14
